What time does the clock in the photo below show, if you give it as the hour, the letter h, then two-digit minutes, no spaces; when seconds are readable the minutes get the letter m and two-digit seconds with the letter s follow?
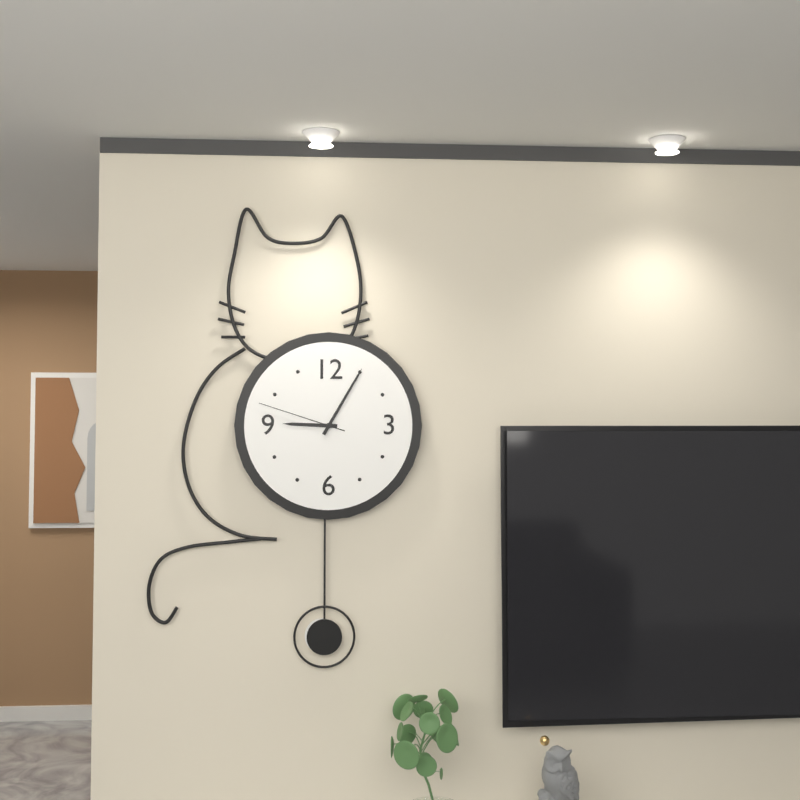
9h05m48s
